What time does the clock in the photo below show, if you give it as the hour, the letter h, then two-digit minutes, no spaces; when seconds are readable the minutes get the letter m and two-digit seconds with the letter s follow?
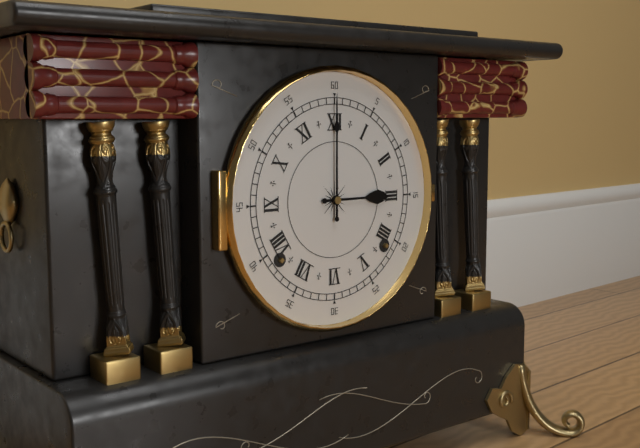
3h00
